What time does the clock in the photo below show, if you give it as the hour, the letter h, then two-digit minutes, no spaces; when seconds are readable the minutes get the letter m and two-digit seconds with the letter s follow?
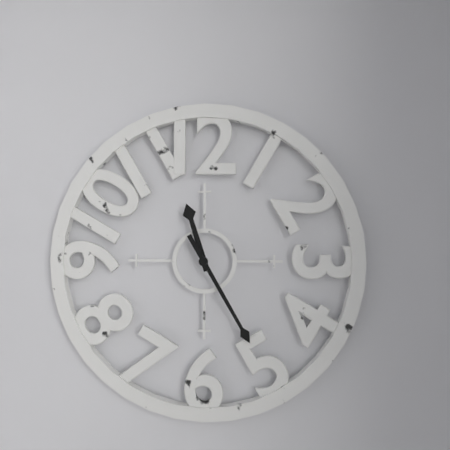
11h25
